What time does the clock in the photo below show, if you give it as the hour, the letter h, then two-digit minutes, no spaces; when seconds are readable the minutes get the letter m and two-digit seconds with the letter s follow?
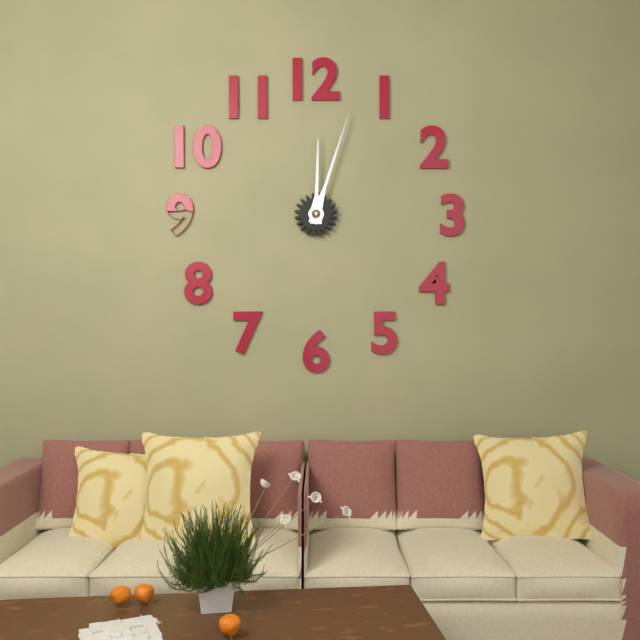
12h03
